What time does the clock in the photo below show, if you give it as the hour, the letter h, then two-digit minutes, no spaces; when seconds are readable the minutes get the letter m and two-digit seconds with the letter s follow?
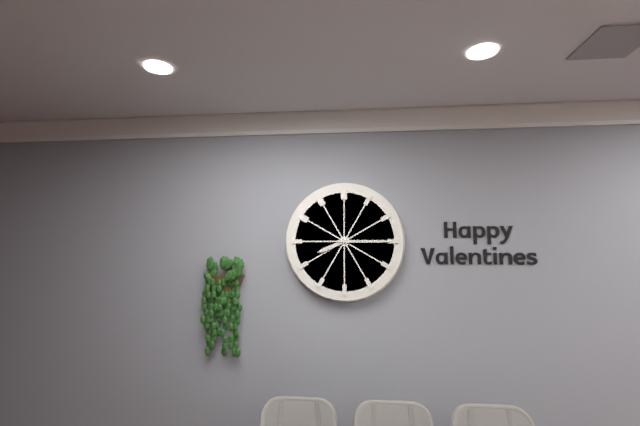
8h15
